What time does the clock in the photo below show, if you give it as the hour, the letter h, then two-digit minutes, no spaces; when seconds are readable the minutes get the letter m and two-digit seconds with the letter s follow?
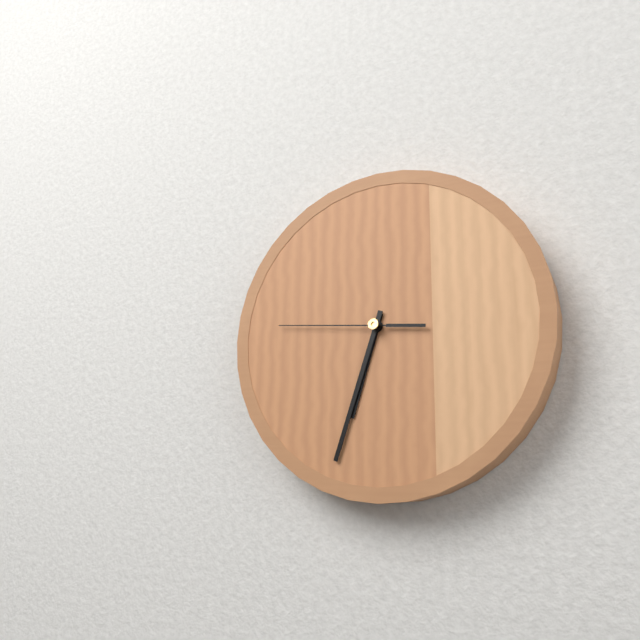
6h33m46s
